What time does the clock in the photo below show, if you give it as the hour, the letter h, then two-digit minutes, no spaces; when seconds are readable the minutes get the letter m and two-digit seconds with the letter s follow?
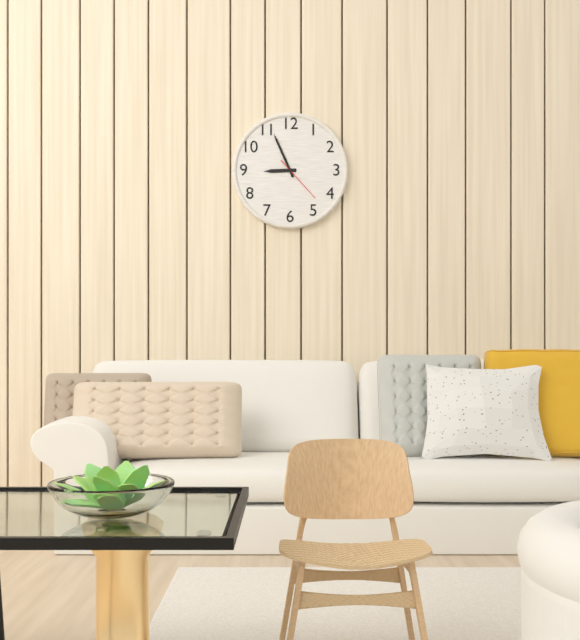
8h56
